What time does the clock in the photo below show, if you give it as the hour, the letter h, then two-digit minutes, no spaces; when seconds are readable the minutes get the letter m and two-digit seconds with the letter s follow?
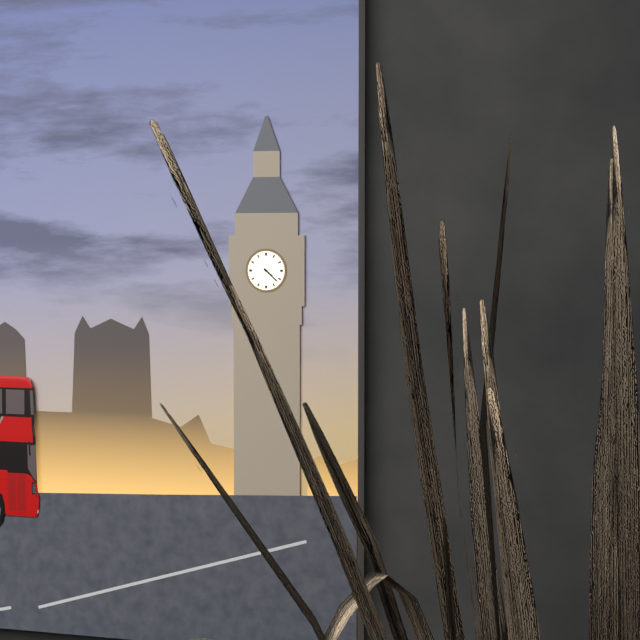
4h22
